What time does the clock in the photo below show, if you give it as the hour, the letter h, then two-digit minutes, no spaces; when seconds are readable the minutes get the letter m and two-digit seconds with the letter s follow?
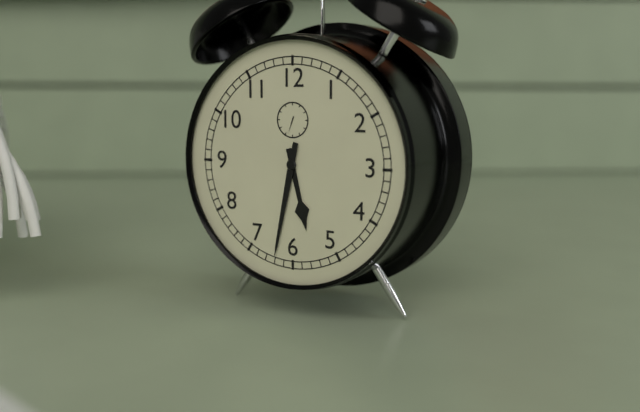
5h32
